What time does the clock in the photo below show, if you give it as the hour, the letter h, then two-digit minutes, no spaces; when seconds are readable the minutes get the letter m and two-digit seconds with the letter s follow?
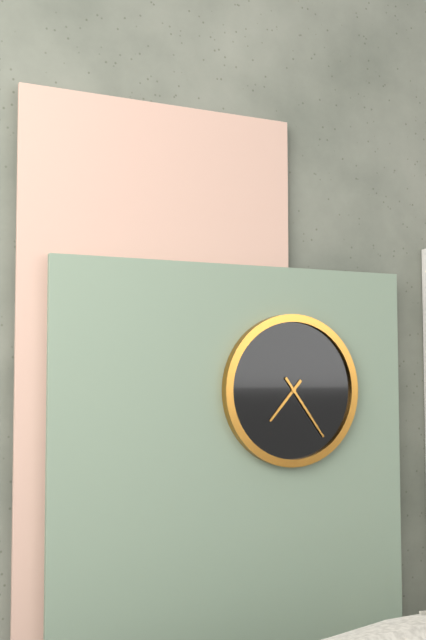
7h24
